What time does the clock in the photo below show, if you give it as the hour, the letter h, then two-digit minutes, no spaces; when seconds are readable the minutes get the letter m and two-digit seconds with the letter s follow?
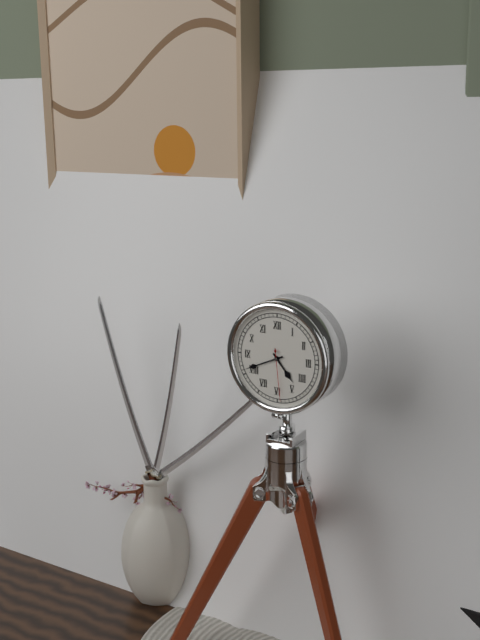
4h41m29s
